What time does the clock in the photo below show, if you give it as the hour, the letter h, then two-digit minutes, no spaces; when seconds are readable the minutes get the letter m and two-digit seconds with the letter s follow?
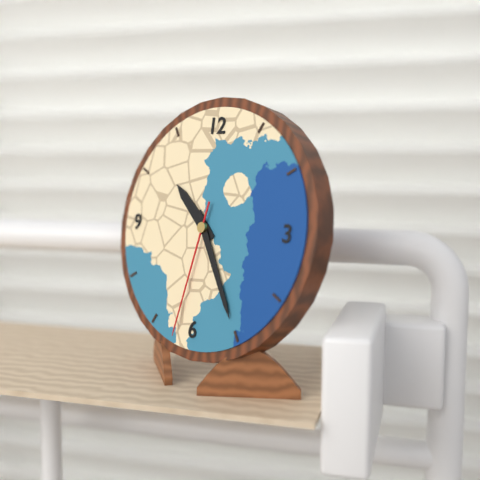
10h25m32s
